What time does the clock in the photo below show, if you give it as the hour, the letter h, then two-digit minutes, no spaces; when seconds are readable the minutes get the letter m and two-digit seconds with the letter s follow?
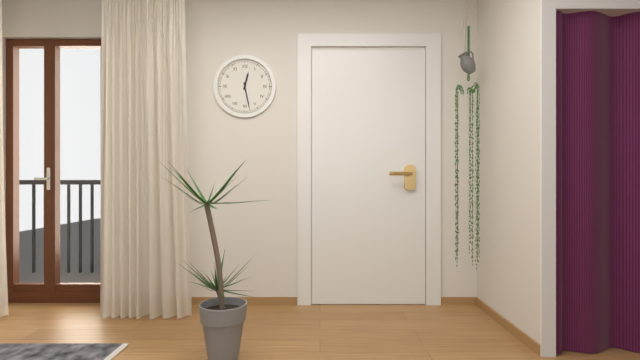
12h28
